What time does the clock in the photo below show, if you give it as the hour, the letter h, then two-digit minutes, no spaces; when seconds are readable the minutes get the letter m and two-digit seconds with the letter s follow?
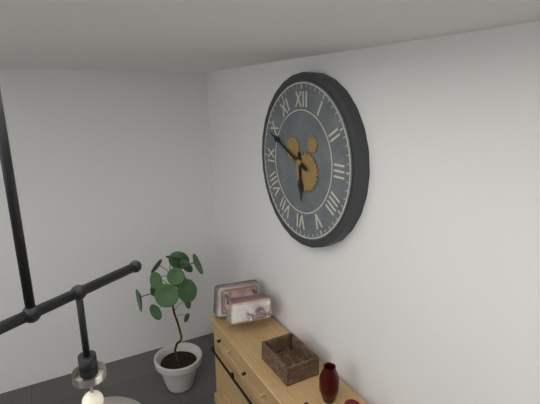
5h49
